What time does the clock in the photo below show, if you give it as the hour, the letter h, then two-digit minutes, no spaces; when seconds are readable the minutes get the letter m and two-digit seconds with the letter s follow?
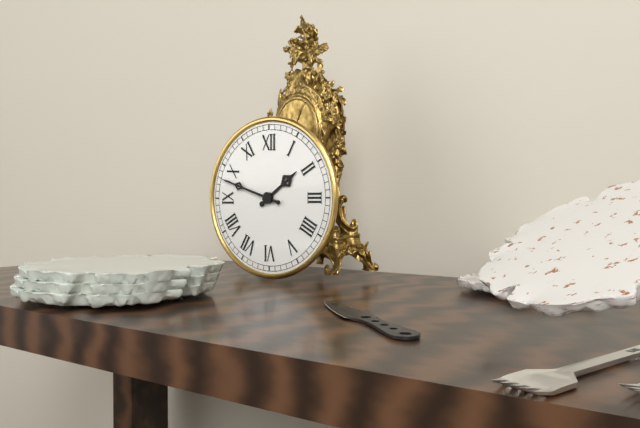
1h48
